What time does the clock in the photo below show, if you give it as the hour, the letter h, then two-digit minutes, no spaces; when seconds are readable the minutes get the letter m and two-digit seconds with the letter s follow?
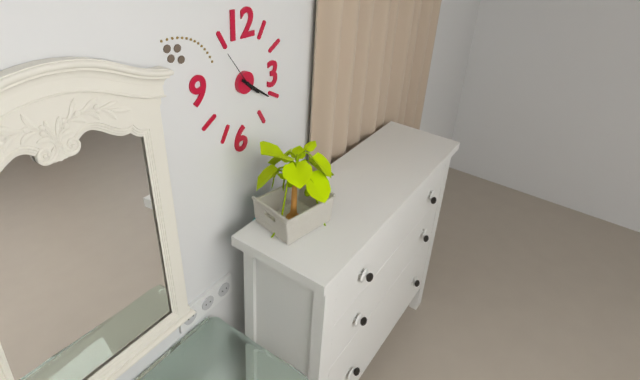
4h21
